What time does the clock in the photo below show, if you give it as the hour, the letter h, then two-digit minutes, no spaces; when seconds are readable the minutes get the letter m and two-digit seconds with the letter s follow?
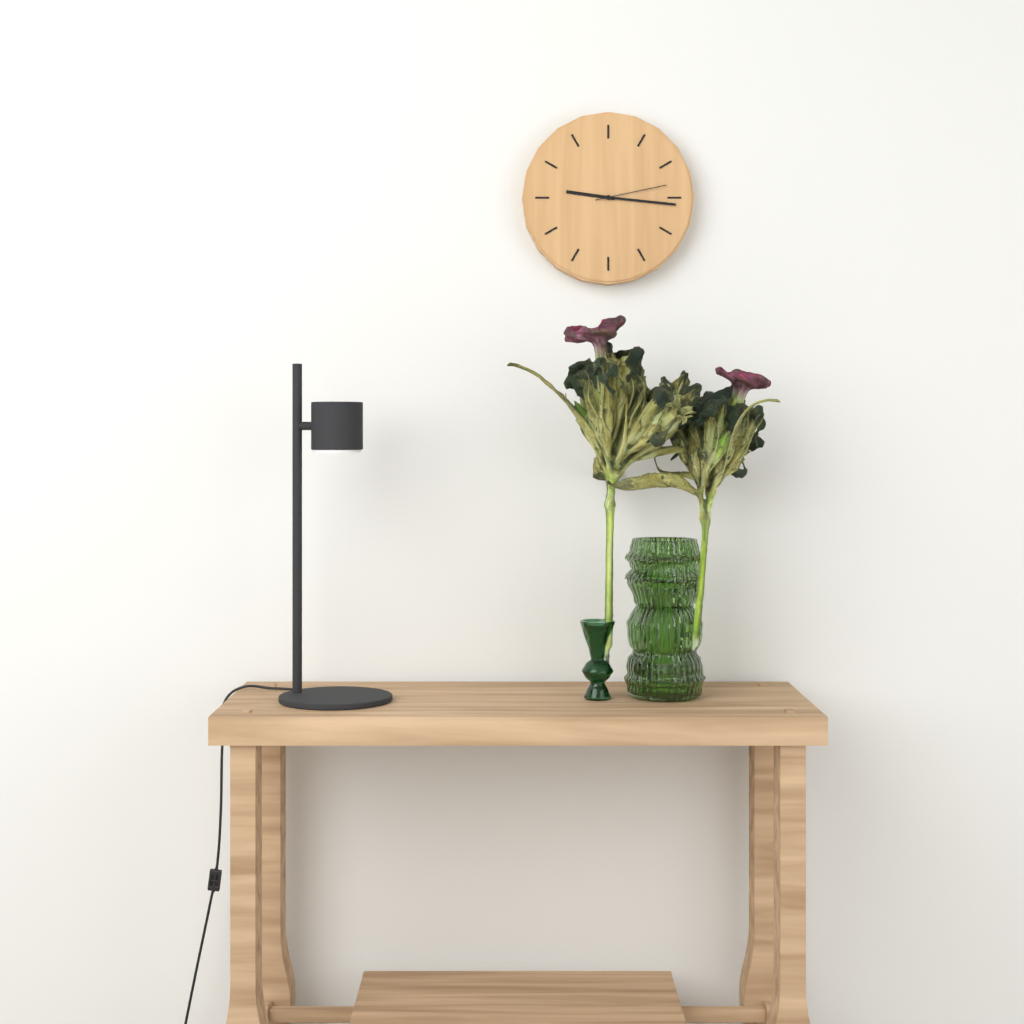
9h16m13s
